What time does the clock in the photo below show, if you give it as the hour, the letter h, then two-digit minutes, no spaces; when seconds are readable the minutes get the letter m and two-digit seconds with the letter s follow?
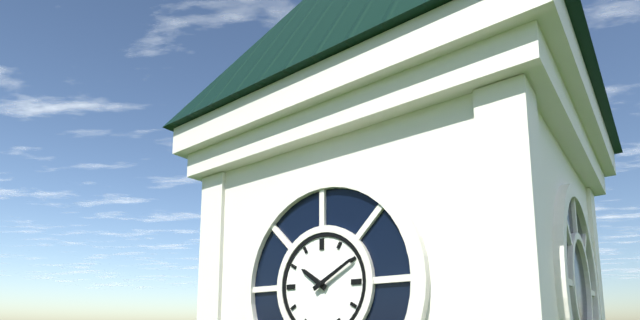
10h10
